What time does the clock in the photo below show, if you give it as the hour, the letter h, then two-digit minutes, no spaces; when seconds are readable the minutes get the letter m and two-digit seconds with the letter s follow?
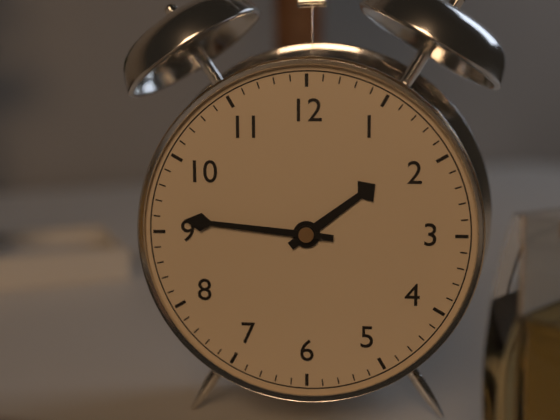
1h46
